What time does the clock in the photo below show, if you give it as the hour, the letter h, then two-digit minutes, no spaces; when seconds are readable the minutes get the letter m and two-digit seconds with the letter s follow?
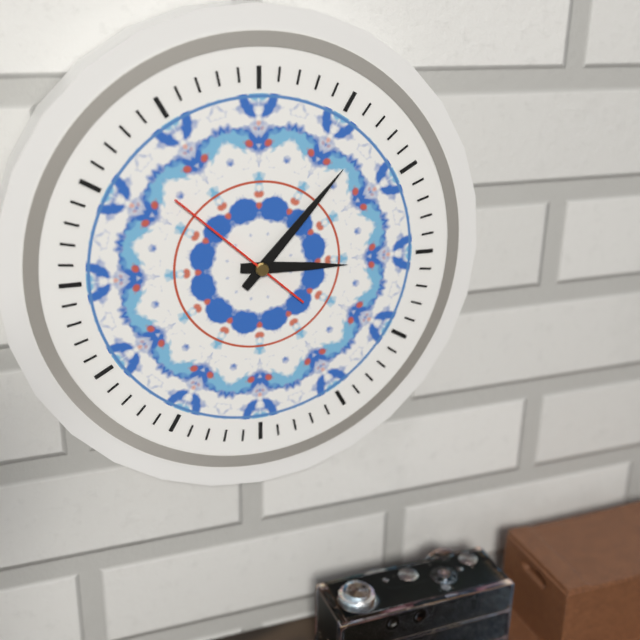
3h07m52s
